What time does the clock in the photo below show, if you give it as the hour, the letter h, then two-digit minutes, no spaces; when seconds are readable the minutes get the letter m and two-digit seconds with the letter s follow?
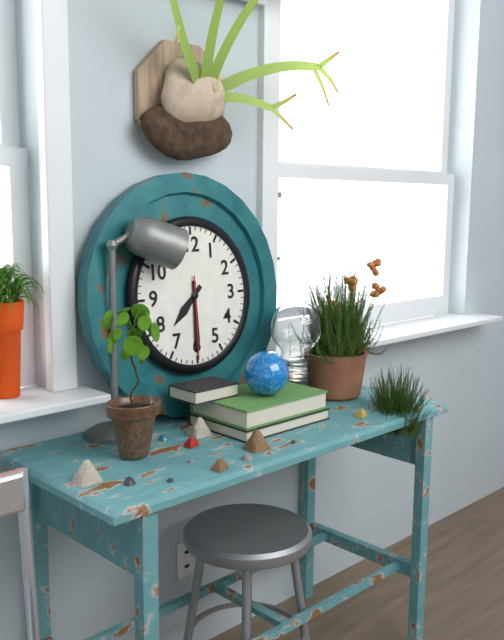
7h30m30s
